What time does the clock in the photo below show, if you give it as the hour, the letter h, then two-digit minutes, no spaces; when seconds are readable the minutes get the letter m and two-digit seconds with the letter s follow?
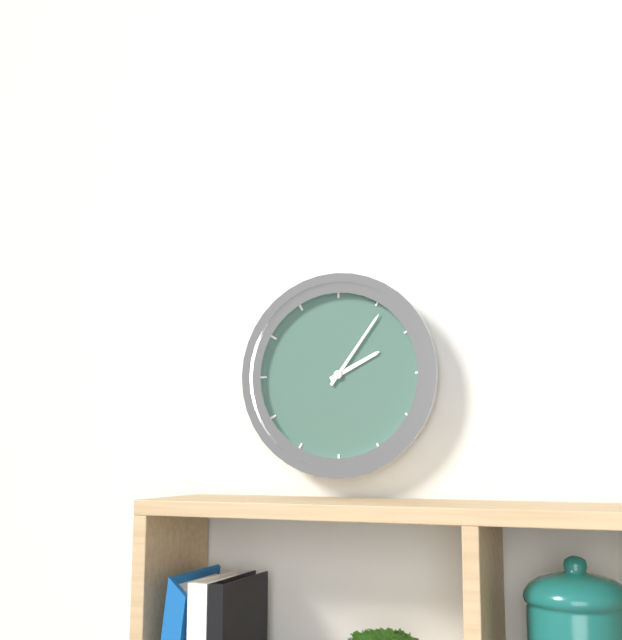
2h06
